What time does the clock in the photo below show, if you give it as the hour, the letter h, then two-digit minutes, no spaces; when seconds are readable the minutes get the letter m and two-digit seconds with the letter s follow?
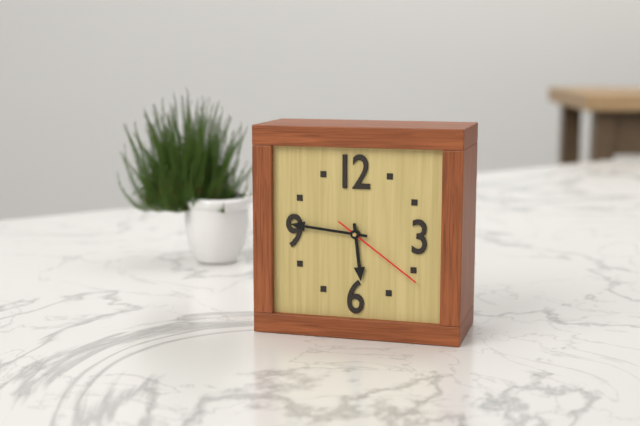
5h46m21s
